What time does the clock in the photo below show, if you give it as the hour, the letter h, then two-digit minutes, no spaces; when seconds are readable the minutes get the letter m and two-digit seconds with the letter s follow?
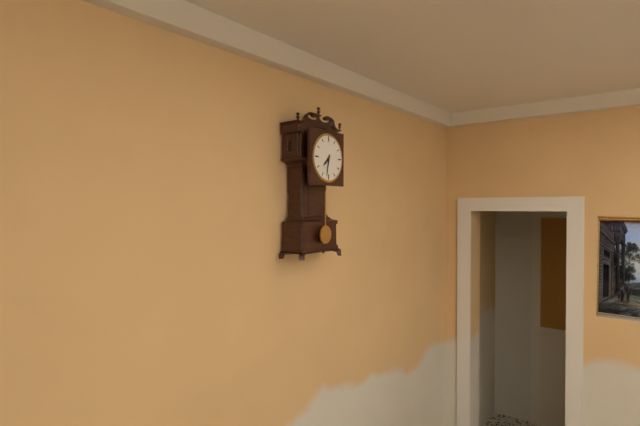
7h32
